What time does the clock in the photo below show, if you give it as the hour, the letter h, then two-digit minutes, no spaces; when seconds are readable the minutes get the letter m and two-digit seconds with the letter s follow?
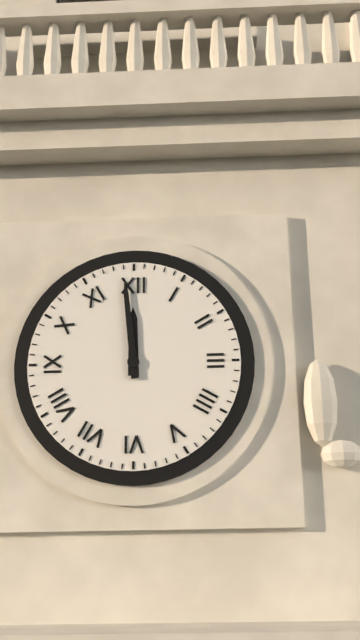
11h59
